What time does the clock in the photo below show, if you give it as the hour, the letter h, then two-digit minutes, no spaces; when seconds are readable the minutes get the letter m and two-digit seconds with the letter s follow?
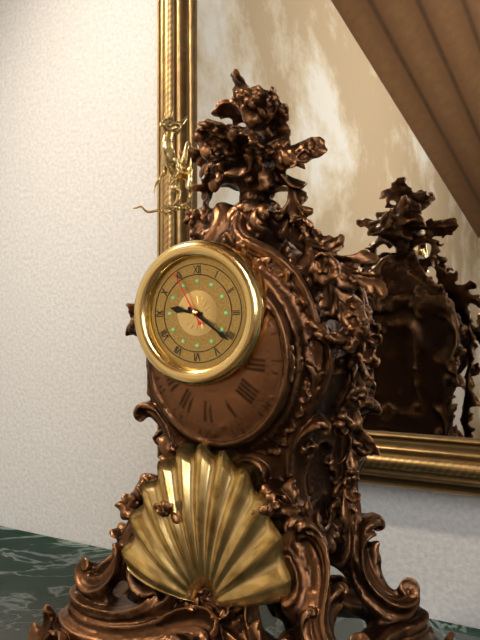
9h21m55s
